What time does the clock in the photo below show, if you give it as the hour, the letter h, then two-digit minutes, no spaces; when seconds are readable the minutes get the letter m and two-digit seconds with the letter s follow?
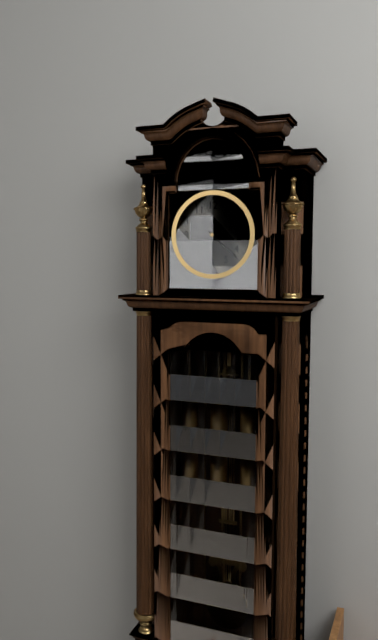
8h22
